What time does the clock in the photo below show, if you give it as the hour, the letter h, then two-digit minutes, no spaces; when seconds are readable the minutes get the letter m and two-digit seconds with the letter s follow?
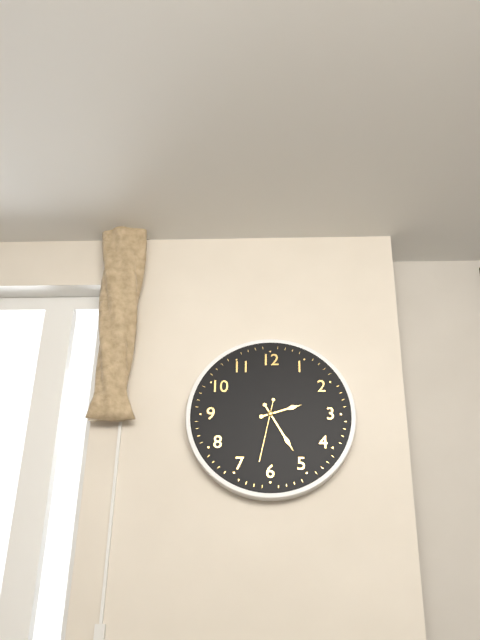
2h25m32s
